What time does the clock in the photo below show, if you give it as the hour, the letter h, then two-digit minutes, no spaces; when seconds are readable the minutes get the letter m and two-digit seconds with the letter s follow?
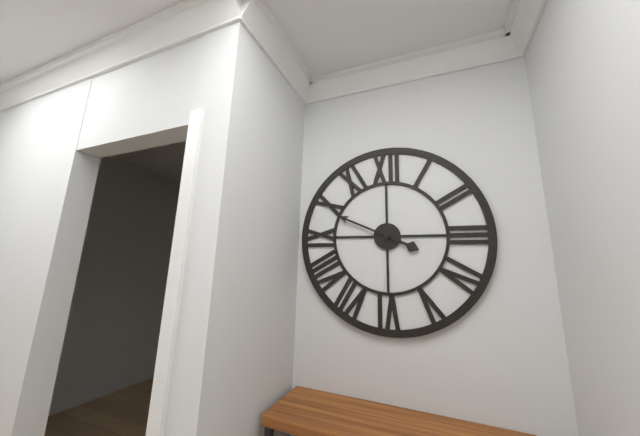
3h49
